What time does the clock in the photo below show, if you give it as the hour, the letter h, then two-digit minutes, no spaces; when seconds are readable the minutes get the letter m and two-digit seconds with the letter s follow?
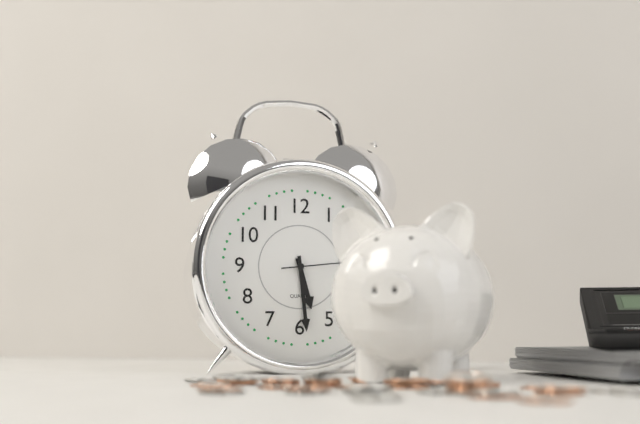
5h29
